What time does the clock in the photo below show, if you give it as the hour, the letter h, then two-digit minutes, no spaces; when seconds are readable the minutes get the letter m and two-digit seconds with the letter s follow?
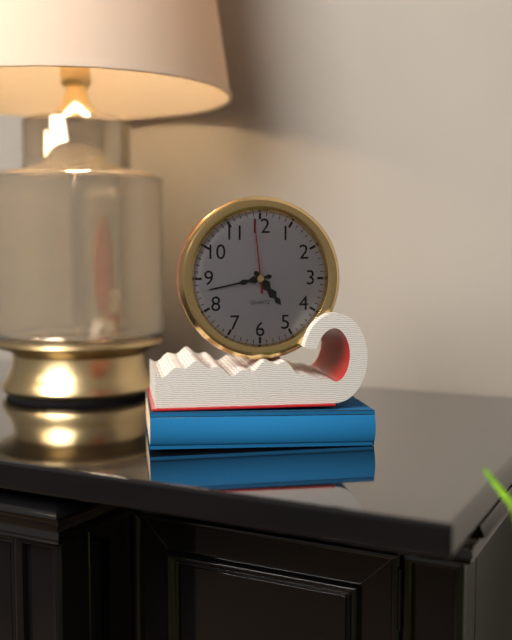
4h43m59s
